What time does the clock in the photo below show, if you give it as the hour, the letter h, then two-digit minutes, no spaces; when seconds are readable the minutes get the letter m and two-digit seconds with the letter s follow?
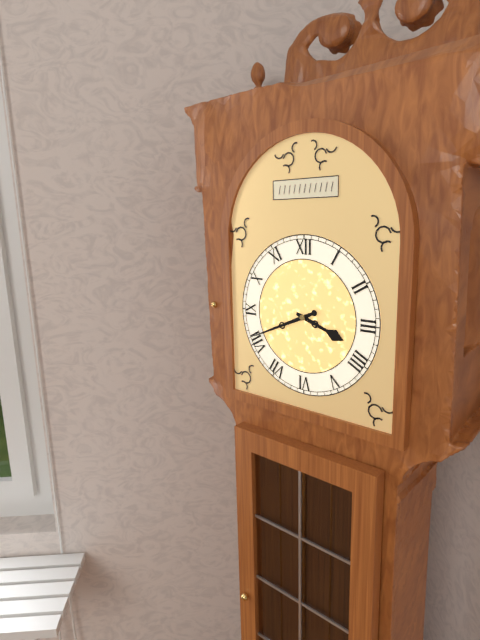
3h41
